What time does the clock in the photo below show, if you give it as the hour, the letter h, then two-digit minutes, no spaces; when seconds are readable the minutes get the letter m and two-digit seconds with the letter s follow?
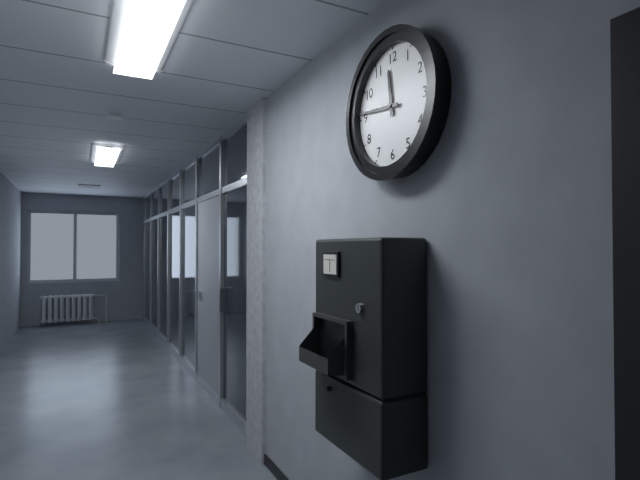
11h46
